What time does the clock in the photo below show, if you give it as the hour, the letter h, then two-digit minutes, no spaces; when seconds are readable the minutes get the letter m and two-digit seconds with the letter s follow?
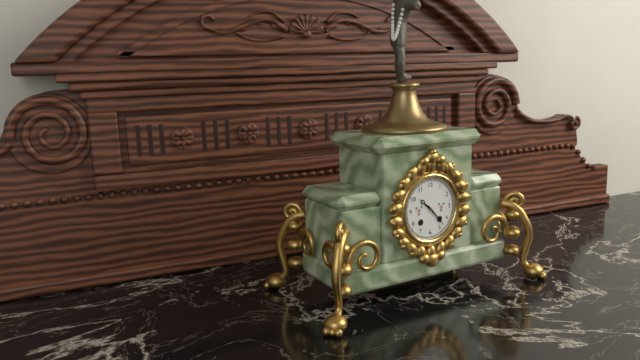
10h23
